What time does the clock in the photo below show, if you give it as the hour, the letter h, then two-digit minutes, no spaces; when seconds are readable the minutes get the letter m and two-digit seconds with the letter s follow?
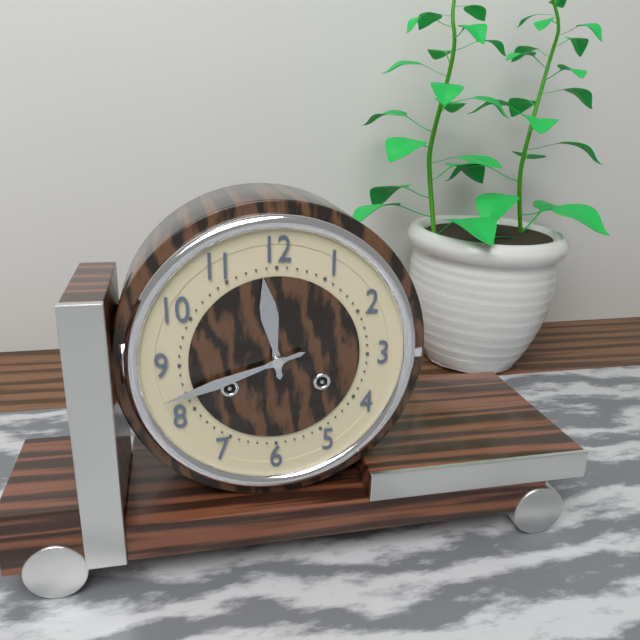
11h42
